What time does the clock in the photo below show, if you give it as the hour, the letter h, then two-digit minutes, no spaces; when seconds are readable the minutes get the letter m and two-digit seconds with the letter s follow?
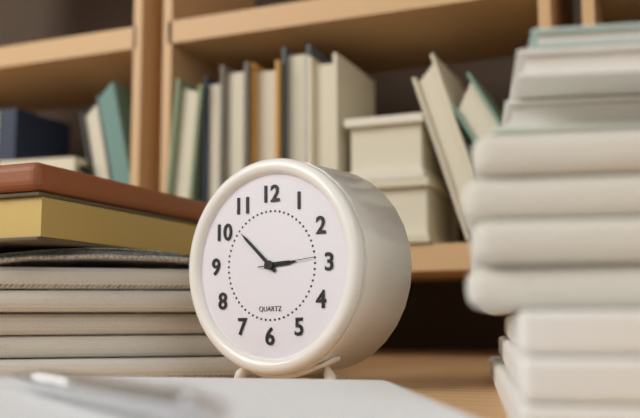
2h52m14s
